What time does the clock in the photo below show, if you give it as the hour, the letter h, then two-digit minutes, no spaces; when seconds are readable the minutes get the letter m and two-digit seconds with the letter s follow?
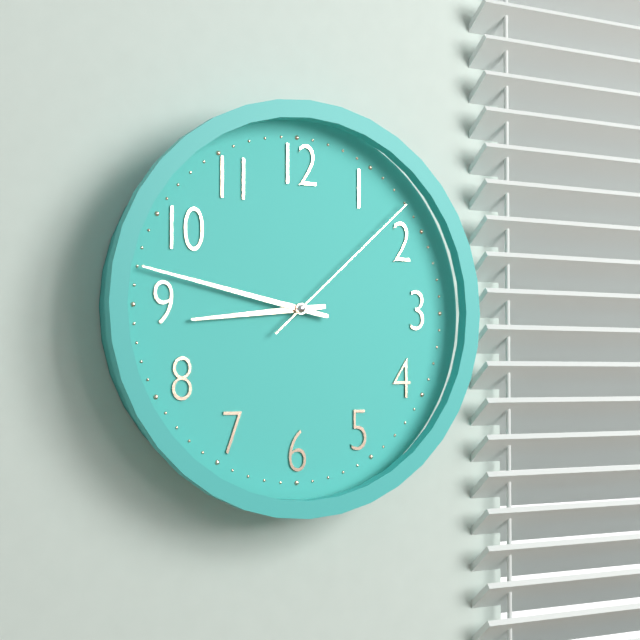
8h47m08s
